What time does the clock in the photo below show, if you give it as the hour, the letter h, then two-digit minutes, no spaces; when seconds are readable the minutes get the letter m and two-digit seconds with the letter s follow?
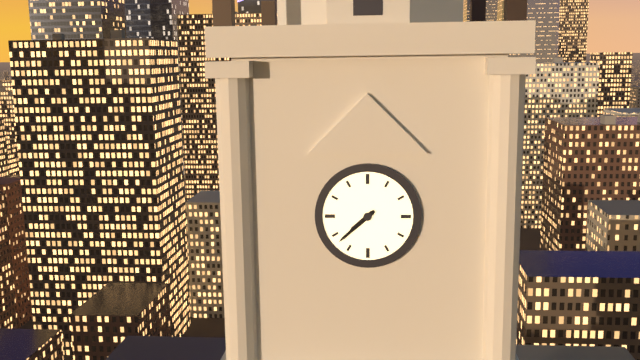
7h38
